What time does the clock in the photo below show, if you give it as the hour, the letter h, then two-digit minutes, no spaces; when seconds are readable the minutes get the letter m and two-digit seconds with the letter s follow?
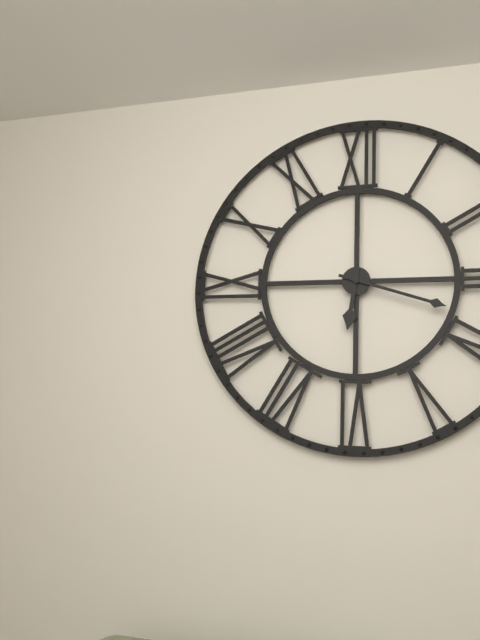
6h18
